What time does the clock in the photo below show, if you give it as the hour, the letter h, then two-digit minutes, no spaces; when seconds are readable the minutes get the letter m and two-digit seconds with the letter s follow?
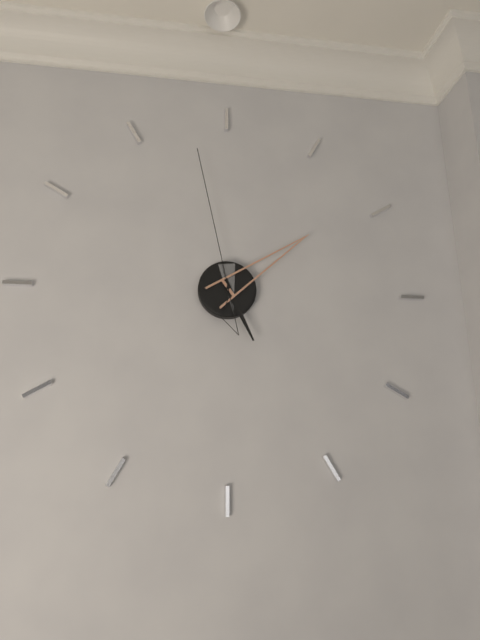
5h09m58s
